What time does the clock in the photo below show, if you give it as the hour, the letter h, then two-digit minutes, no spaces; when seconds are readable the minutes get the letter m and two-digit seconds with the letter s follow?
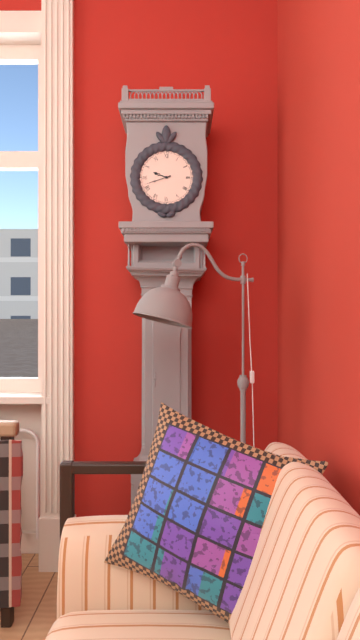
9h42
